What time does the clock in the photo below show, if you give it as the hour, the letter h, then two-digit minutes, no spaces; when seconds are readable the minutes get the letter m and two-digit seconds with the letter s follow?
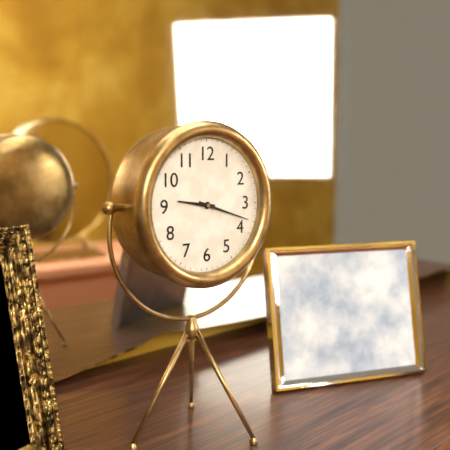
9h18
